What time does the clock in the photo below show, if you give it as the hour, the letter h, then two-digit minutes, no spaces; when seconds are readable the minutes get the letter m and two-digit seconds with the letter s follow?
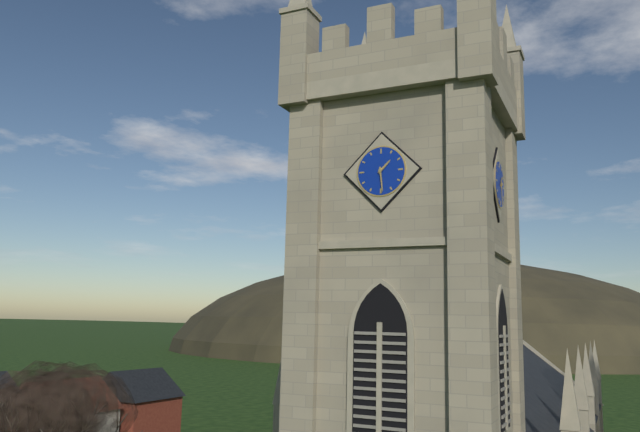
1h29
